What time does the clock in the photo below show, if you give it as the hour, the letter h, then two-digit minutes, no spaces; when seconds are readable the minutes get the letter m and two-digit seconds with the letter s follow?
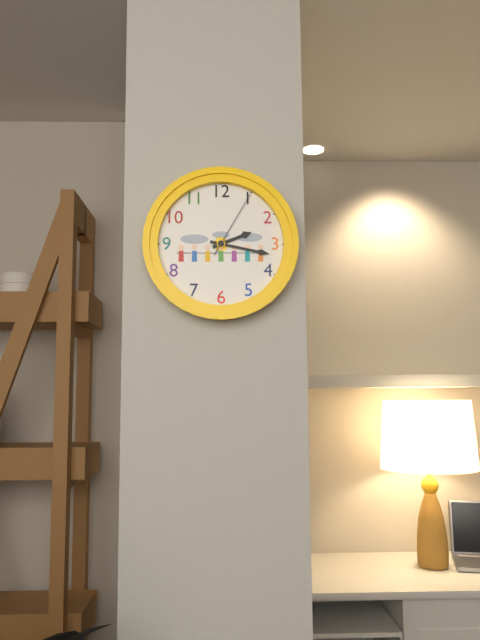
2h17m05s
